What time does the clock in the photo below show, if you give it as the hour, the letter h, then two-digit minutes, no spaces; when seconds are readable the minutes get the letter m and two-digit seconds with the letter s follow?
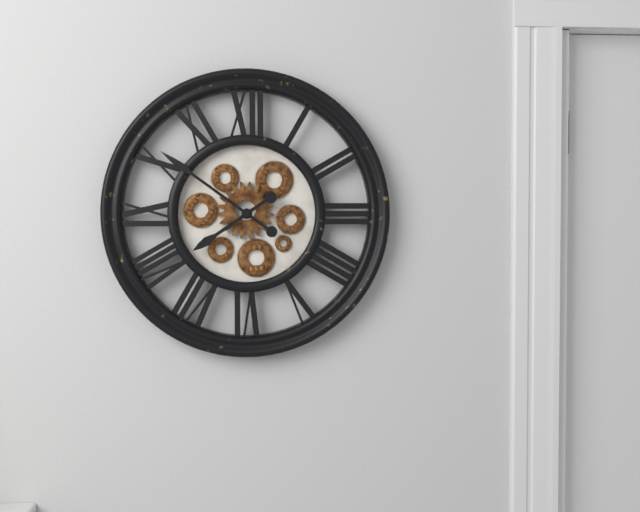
7h51
